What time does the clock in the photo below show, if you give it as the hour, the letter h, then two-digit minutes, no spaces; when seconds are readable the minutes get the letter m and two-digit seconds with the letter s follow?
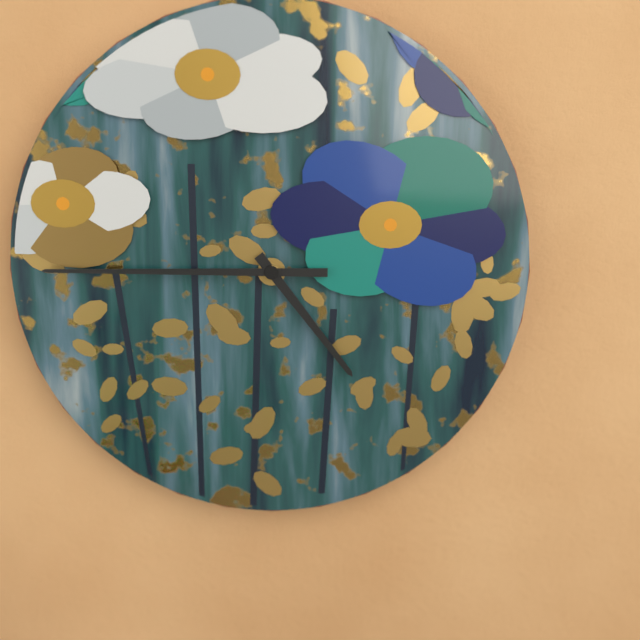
4h45
